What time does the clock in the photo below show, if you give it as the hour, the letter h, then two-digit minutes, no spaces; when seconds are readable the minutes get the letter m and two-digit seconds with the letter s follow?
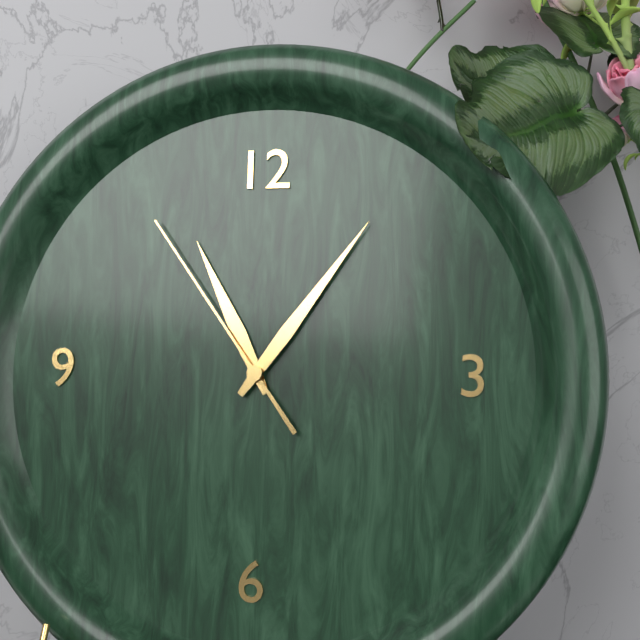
11h06m54s
